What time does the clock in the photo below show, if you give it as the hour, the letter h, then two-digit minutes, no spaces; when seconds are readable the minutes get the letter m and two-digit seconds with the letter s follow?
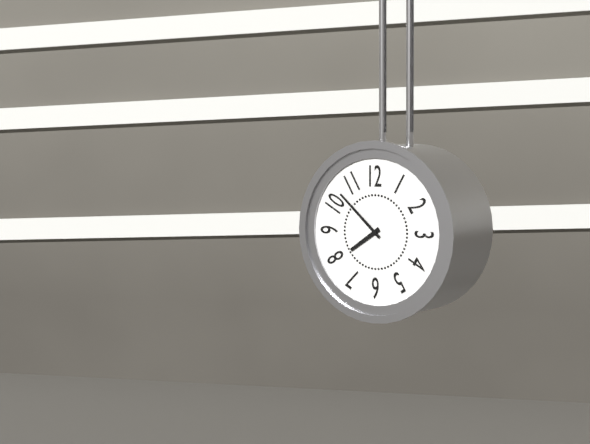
7h52
